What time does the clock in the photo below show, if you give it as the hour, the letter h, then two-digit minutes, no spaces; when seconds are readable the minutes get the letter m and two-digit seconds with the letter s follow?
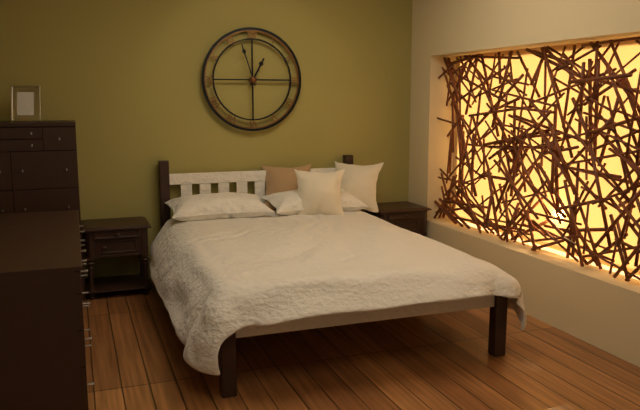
12h57
